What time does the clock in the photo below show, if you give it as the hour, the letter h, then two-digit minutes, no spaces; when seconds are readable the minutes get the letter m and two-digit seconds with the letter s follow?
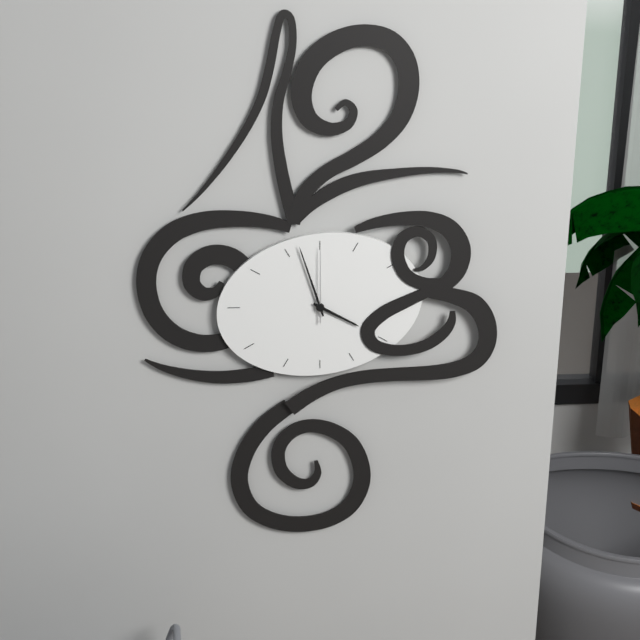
3h57m00s
